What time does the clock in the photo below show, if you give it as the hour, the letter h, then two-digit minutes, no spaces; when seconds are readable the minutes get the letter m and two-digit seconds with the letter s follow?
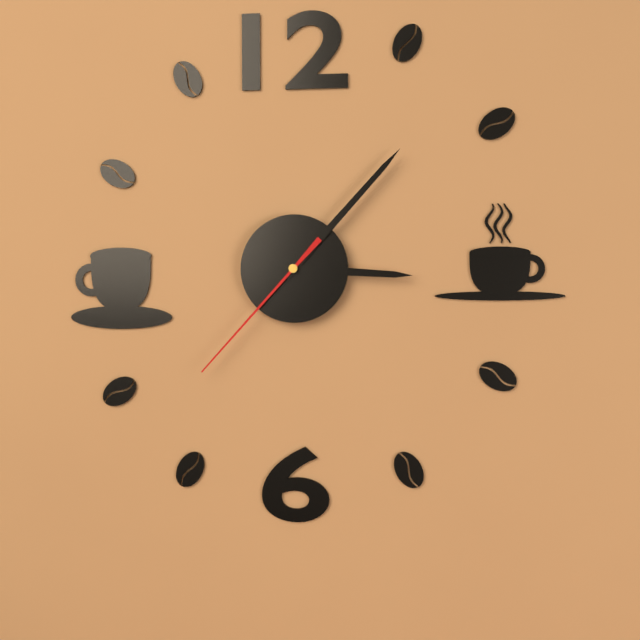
3h07m37s
